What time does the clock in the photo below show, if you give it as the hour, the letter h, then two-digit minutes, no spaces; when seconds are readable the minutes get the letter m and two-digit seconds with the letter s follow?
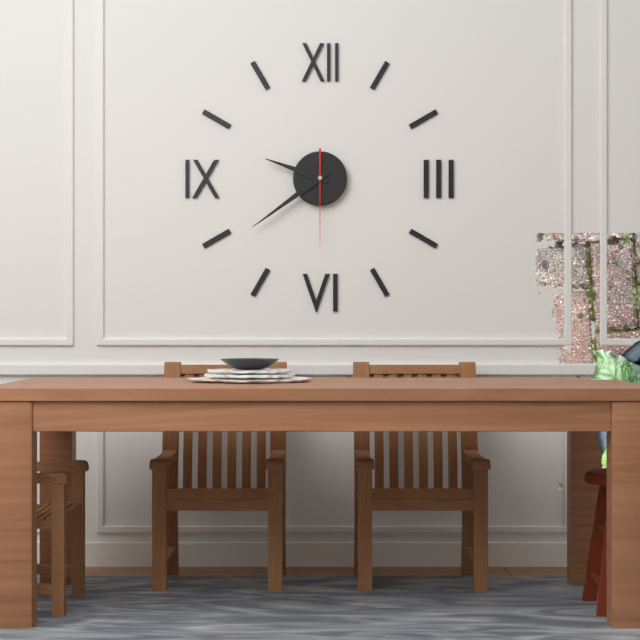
9h39m30s
